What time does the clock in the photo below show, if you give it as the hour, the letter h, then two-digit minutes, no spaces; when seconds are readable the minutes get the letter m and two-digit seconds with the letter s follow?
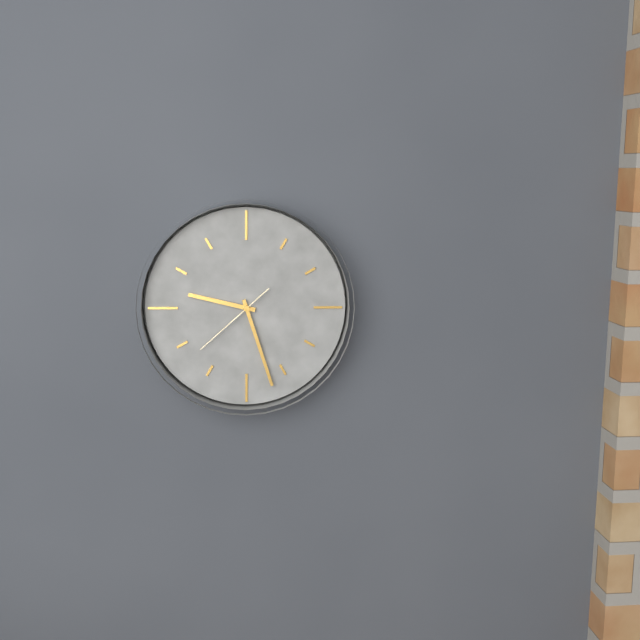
9h27m38s
